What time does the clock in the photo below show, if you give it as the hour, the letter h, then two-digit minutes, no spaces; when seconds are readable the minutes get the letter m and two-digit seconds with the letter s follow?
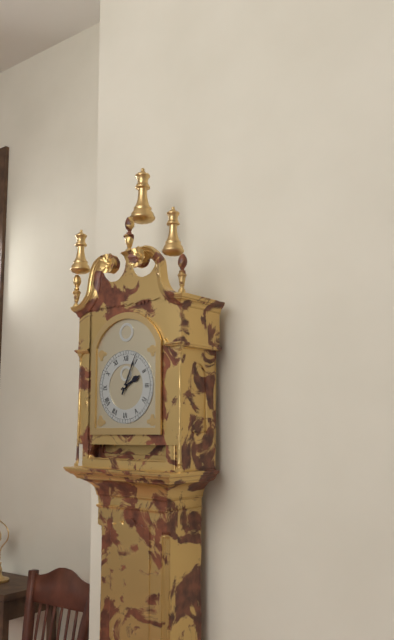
2h04
